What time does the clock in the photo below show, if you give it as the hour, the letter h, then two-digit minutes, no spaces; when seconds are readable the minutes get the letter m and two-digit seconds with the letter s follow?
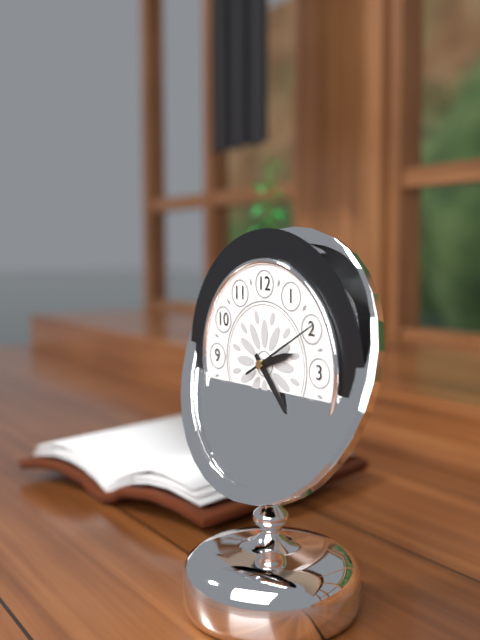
2h23m10s
